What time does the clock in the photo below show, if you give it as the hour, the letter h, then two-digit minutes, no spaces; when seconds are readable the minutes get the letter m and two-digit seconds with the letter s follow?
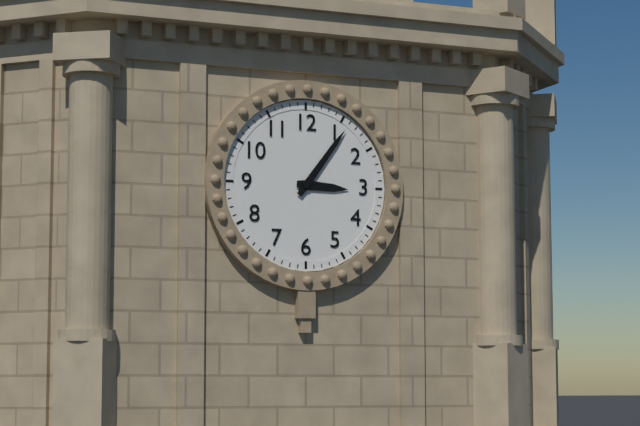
3h06
